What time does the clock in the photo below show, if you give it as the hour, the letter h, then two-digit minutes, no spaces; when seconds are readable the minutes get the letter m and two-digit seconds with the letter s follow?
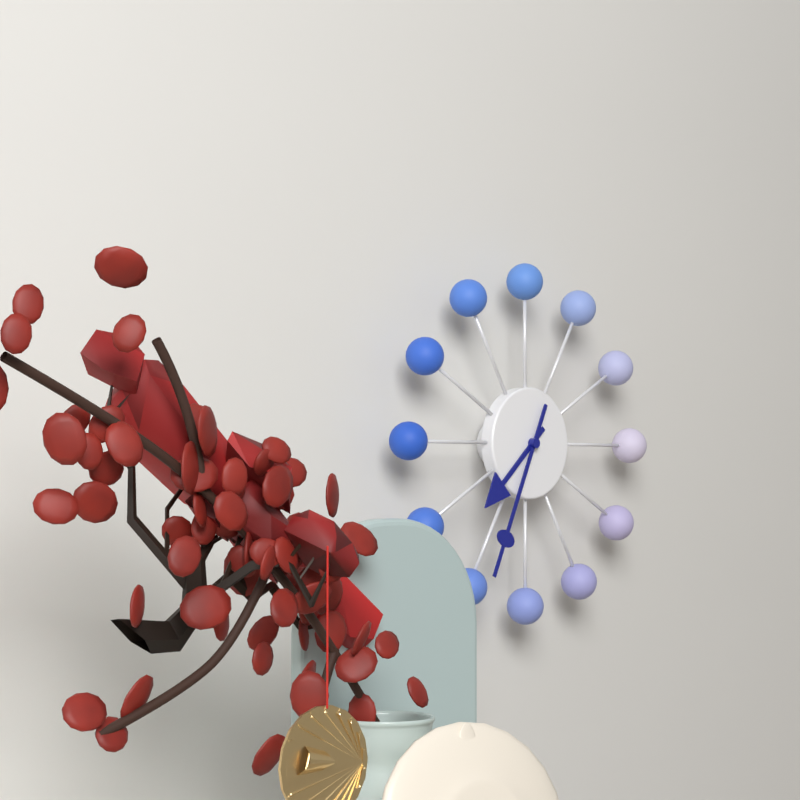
7h34
